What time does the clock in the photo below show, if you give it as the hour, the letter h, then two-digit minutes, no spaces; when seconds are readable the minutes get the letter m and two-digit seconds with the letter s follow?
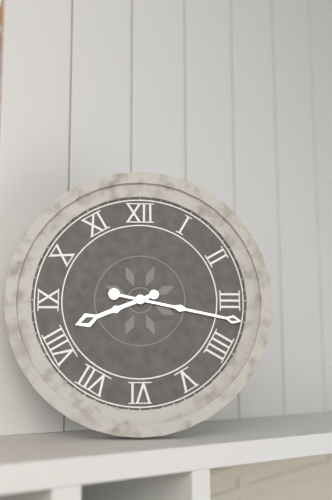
8h17
